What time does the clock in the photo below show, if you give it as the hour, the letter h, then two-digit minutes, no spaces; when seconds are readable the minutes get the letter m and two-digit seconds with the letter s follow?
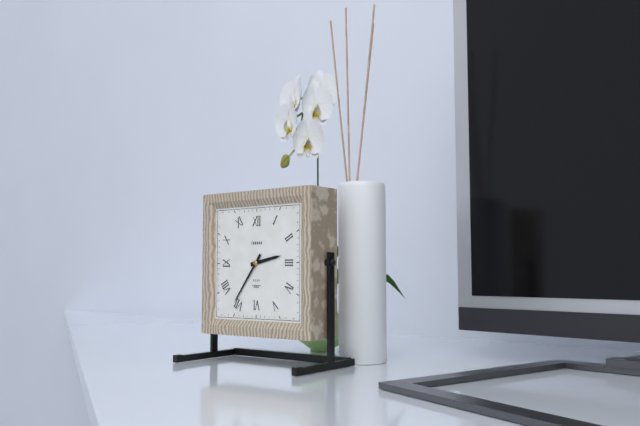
2h36
